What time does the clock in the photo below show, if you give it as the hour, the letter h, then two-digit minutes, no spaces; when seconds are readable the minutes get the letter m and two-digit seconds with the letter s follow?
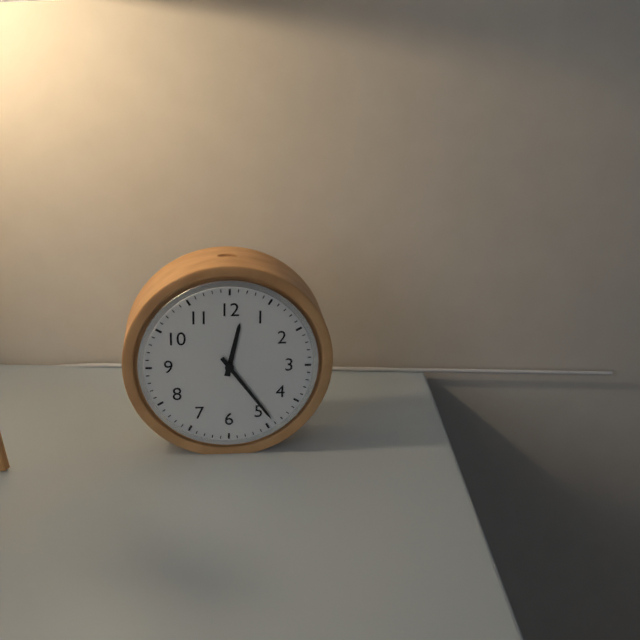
12h24
